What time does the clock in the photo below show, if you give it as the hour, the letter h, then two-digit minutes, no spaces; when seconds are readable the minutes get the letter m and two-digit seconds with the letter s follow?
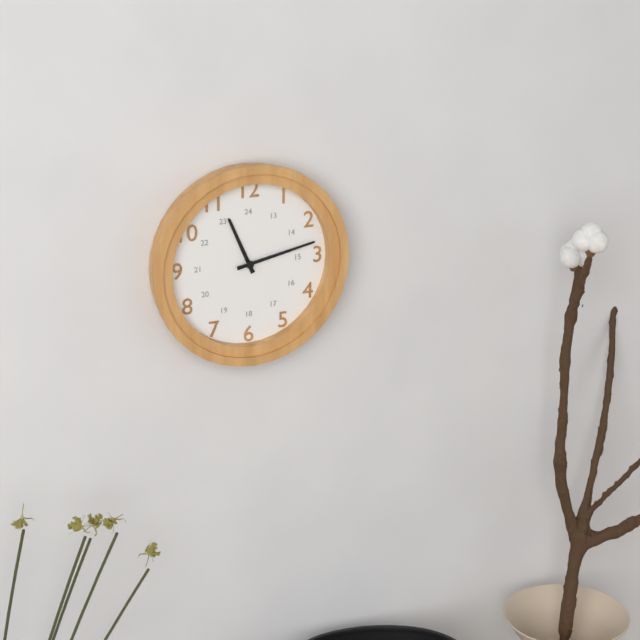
11h13
